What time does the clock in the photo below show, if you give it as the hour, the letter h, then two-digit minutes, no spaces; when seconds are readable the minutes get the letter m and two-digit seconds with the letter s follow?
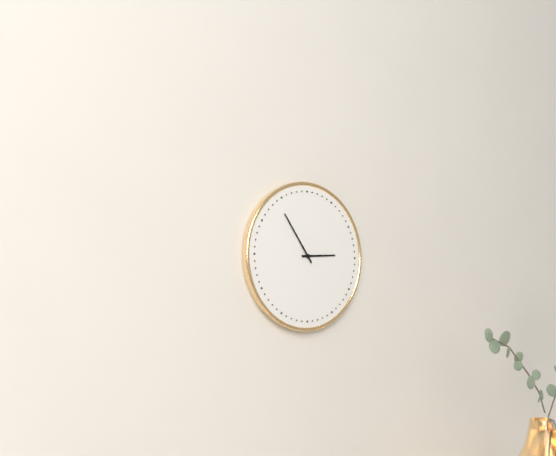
2h54
